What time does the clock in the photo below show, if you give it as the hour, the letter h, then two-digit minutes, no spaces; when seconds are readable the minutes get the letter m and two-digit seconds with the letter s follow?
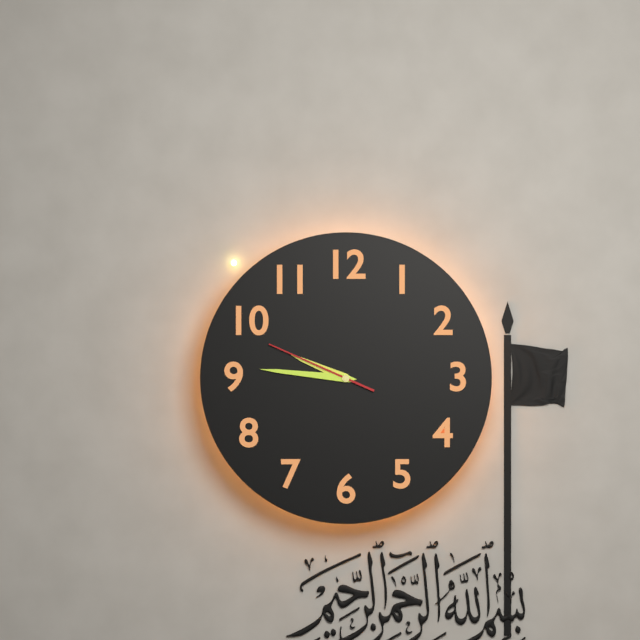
9h46m49s
